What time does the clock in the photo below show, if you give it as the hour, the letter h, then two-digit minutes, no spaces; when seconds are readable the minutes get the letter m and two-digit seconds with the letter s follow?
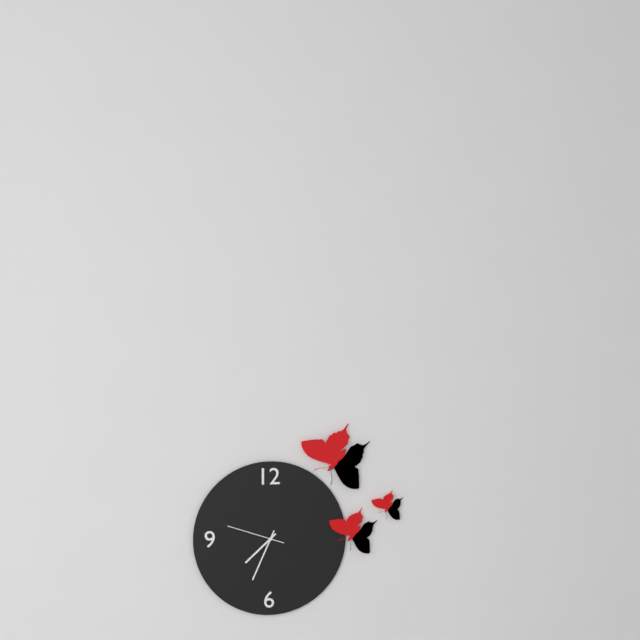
7h34m48s
